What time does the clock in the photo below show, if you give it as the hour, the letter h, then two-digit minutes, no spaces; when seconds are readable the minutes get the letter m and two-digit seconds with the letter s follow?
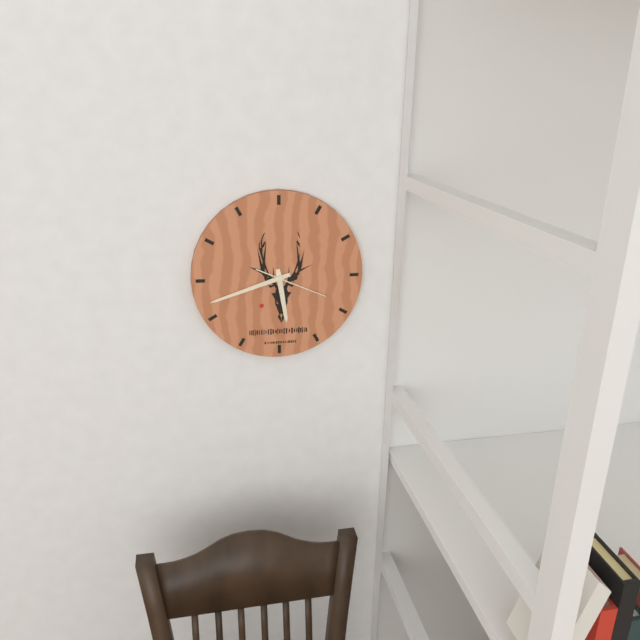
5h42m19s
